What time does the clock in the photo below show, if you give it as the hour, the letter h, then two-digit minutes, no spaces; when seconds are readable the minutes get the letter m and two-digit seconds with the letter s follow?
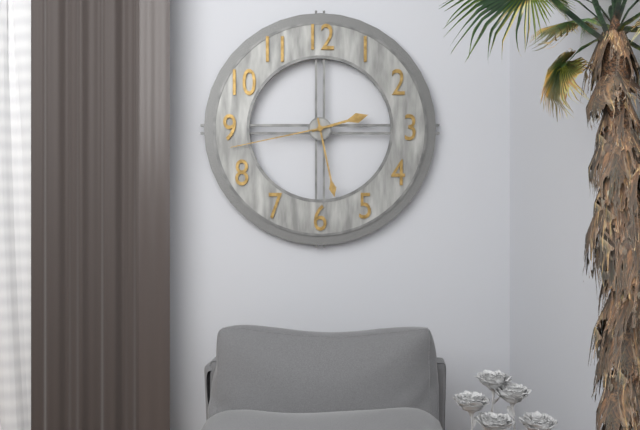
2h28m43s
